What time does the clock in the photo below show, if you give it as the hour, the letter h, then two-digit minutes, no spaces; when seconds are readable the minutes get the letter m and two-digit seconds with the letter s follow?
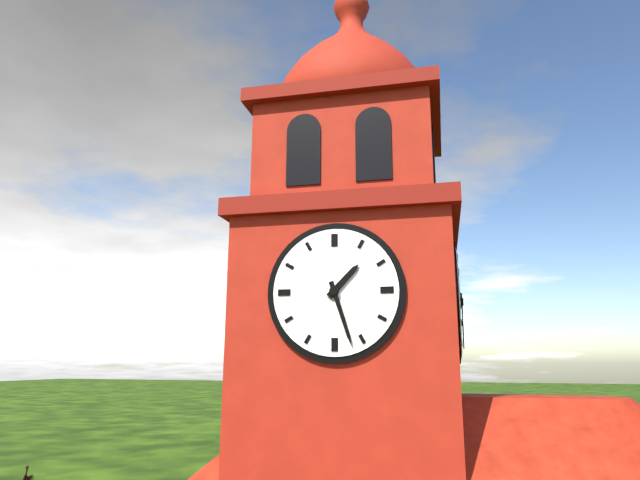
1h27
